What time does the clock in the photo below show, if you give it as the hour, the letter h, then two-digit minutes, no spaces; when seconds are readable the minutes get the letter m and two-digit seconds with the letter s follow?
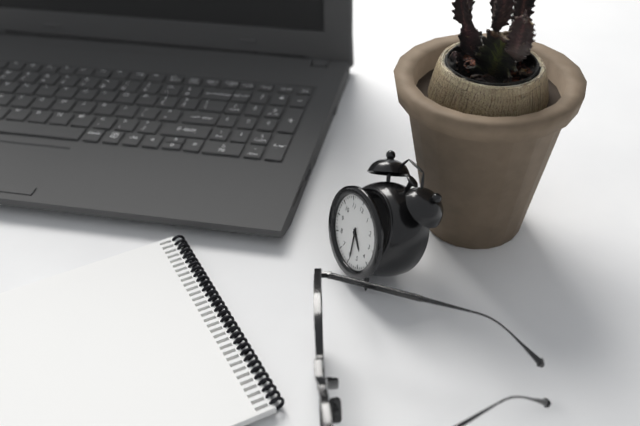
4h29
